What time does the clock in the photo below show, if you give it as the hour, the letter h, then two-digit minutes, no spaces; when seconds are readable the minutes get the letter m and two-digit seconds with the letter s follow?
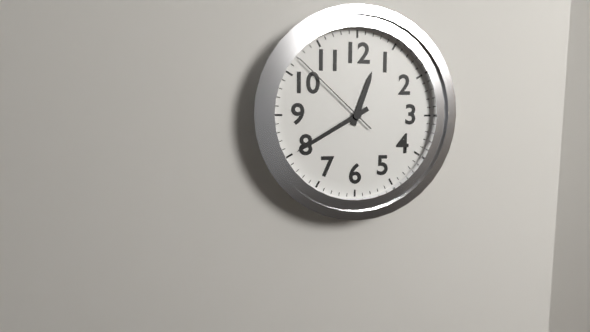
12h40m52s
